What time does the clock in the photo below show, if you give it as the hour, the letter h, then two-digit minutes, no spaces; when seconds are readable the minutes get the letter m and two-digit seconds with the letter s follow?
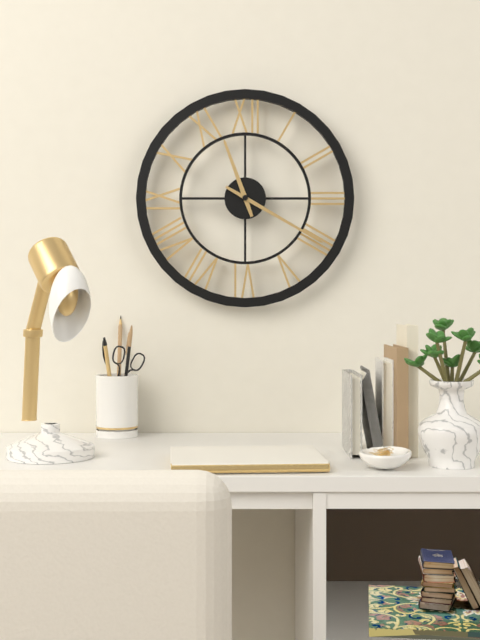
11h20
